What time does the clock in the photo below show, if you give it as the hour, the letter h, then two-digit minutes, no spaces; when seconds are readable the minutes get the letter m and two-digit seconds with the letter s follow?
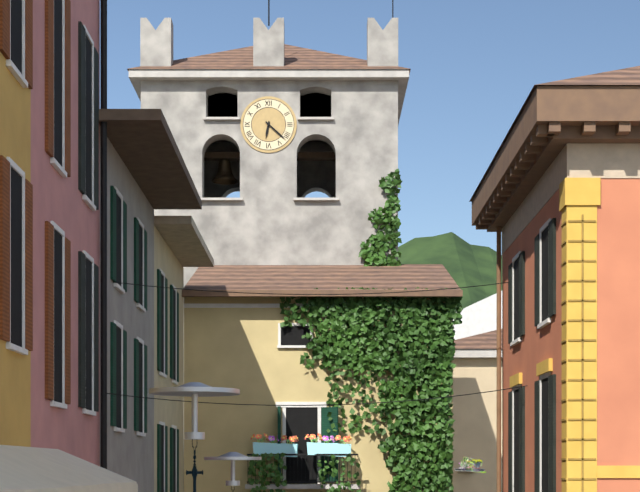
6h22
